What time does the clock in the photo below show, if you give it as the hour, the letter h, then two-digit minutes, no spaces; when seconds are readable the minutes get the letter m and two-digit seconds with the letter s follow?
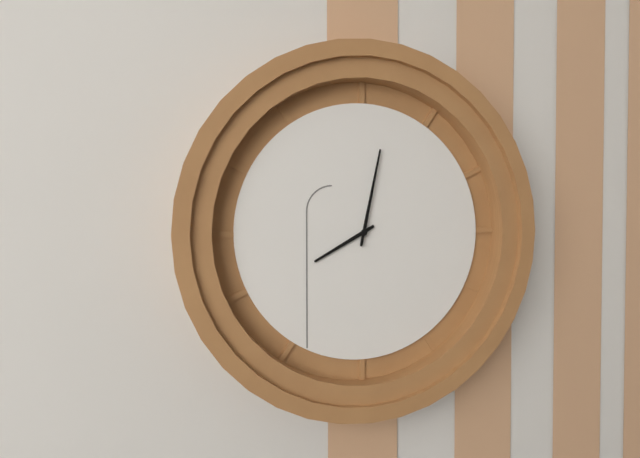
8h02
